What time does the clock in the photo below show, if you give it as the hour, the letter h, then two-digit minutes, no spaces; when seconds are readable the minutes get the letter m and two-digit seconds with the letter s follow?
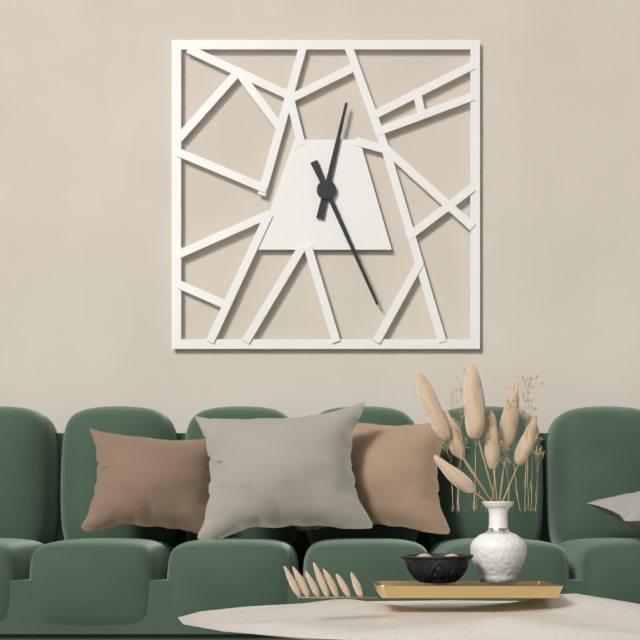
12h26
